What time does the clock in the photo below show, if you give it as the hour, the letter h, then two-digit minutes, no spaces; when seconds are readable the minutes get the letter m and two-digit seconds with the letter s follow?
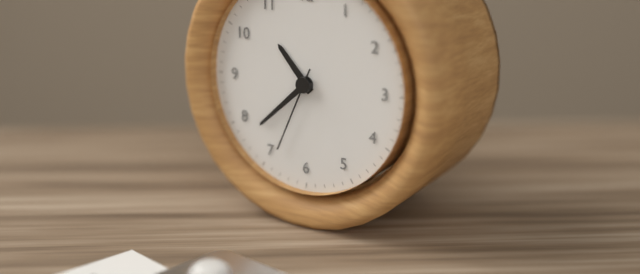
10h38m34s
